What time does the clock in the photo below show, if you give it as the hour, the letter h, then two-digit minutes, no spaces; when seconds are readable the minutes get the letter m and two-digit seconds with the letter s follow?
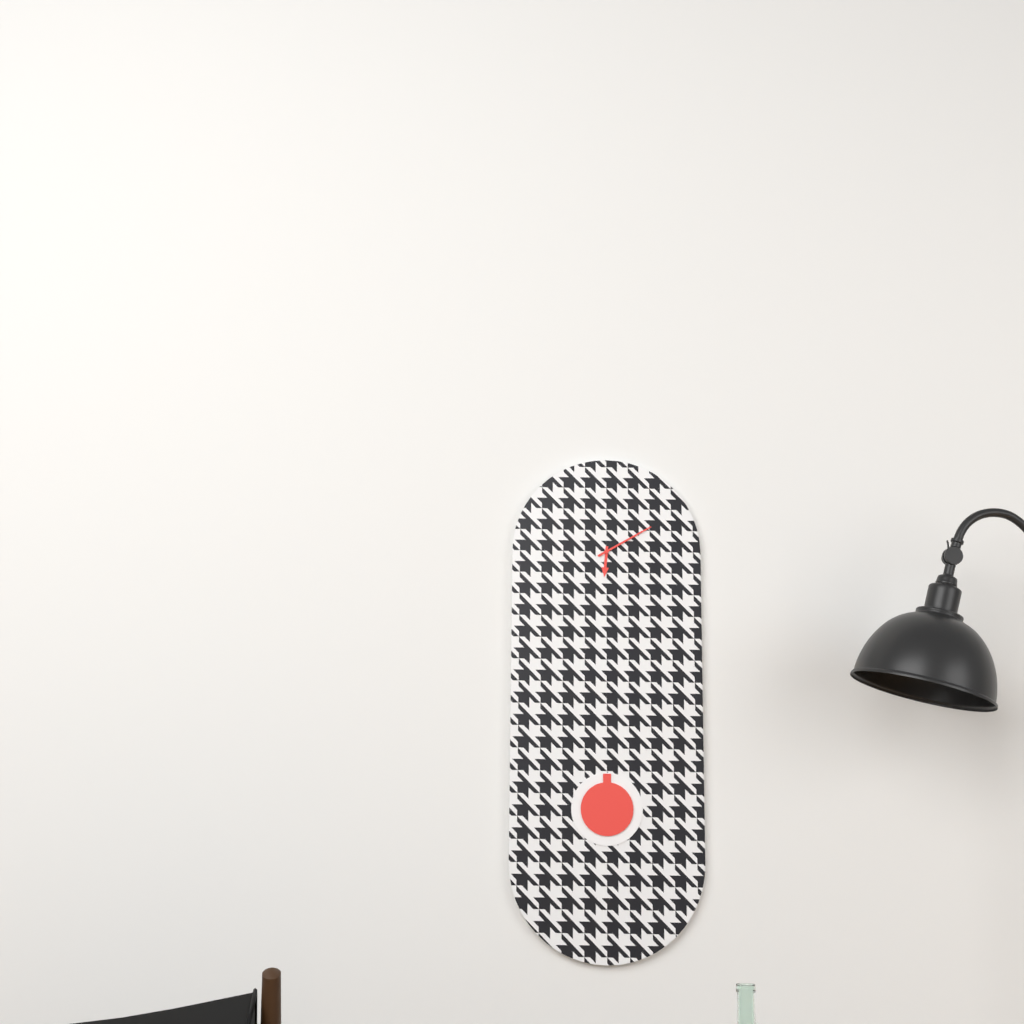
6h10
